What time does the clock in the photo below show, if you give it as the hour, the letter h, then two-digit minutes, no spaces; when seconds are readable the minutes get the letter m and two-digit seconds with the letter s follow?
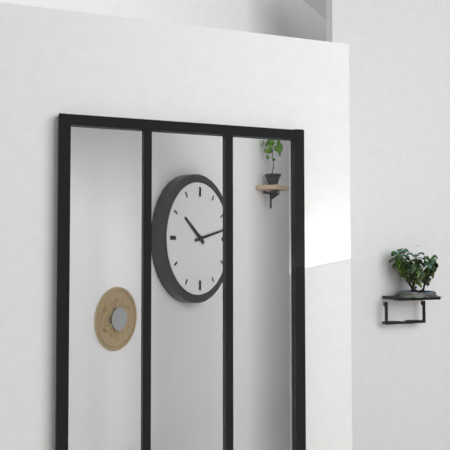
10h13
